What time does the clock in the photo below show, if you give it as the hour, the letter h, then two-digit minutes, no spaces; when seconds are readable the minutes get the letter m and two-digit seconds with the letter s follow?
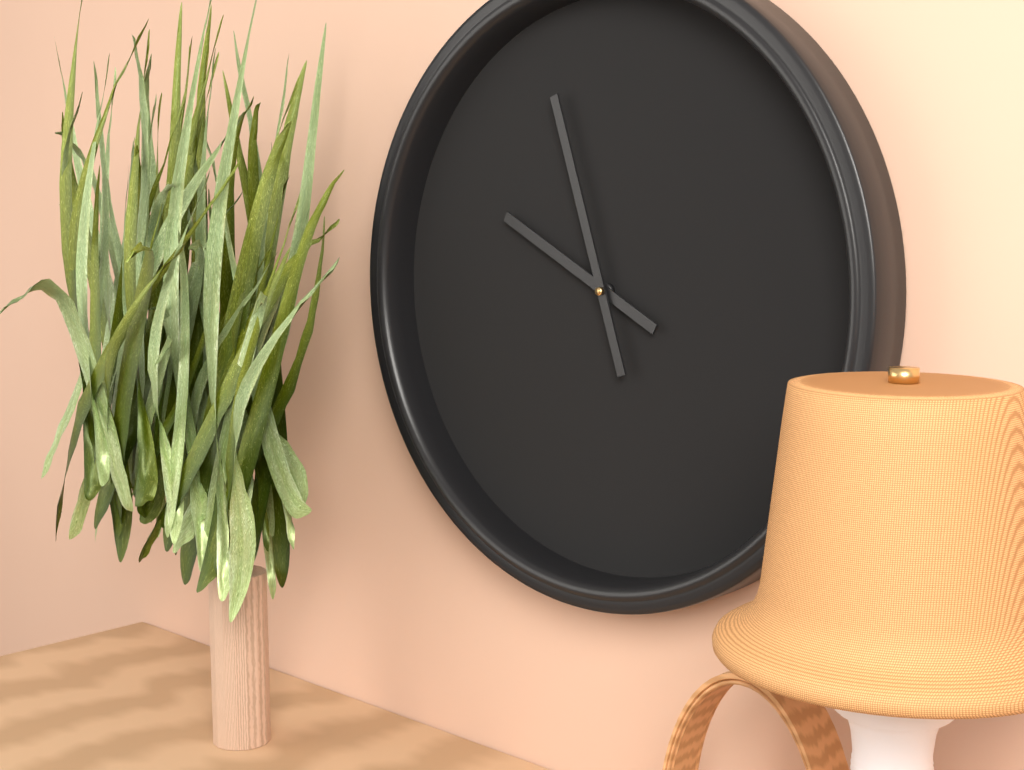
9h57
